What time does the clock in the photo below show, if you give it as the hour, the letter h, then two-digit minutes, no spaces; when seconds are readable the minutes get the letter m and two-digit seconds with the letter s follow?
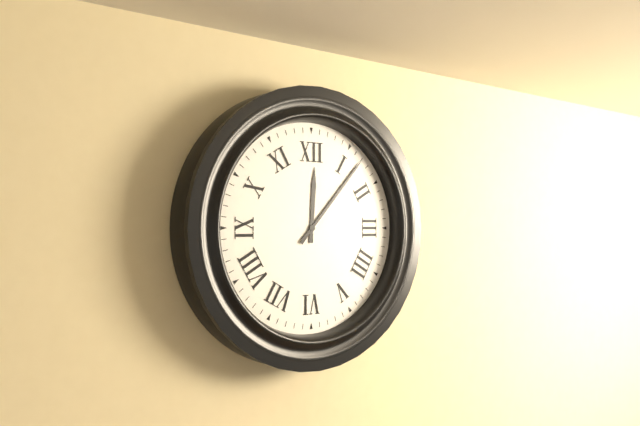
12h07
